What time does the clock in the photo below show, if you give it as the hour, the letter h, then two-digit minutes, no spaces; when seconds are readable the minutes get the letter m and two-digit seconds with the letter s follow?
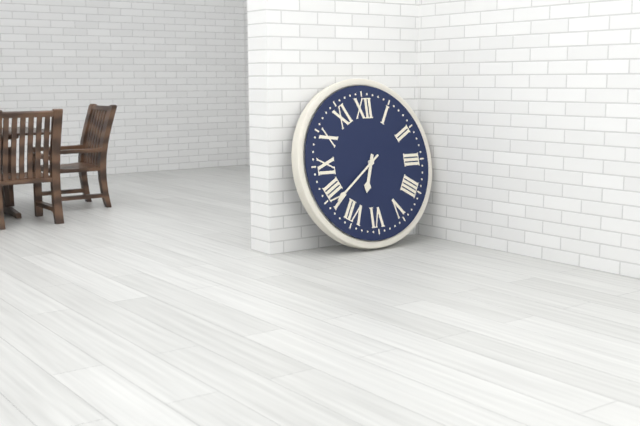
6h39
